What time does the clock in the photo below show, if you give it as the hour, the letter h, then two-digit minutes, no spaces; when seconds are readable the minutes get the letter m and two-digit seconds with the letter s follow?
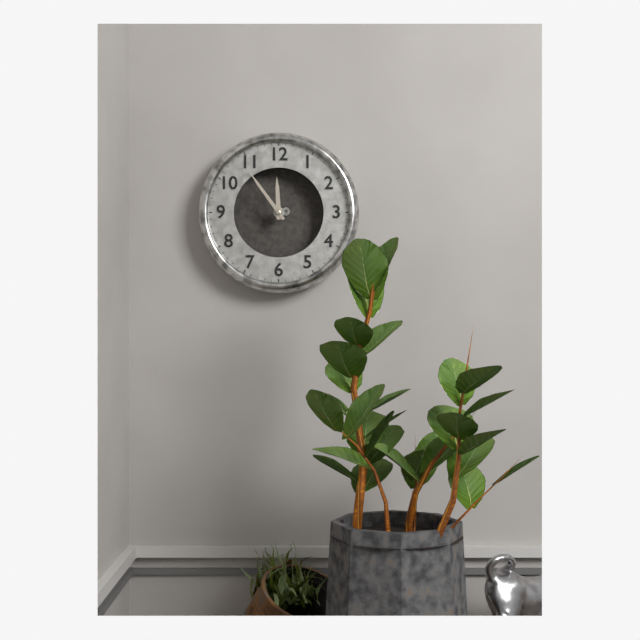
11h54
